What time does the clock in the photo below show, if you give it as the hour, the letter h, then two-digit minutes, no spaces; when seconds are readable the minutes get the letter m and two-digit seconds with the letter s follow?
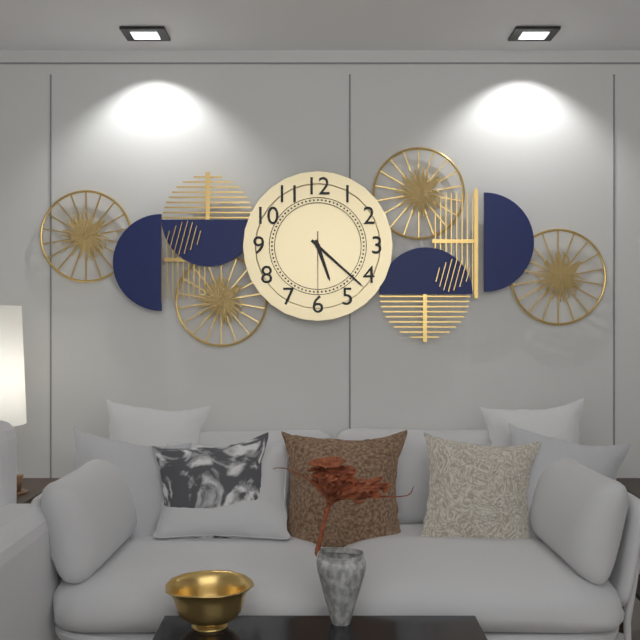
5h22m30s
